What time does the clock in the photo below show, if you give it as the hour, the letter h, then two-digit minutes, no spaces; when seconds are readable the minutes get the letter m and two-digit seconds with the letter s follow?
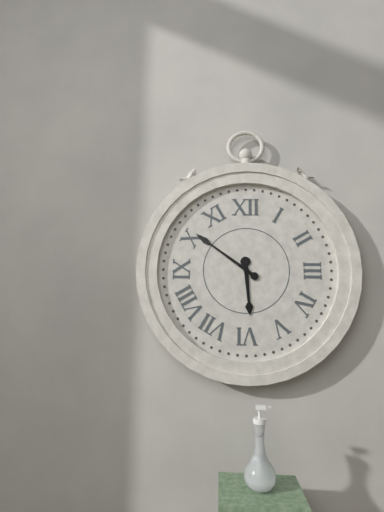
5h51
